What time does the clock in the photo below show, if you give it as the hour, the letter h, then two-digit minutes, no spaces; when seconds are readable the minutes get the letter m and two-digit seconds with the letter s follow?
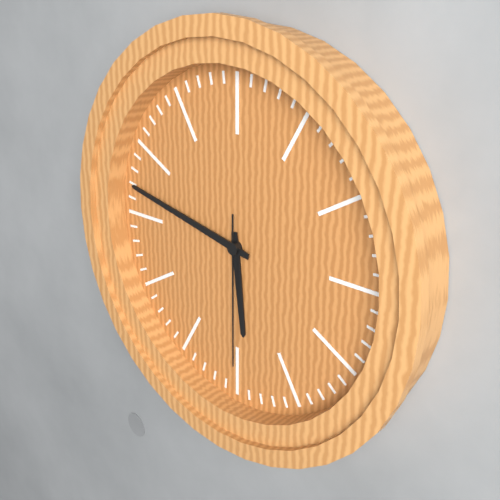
5h47m30s
